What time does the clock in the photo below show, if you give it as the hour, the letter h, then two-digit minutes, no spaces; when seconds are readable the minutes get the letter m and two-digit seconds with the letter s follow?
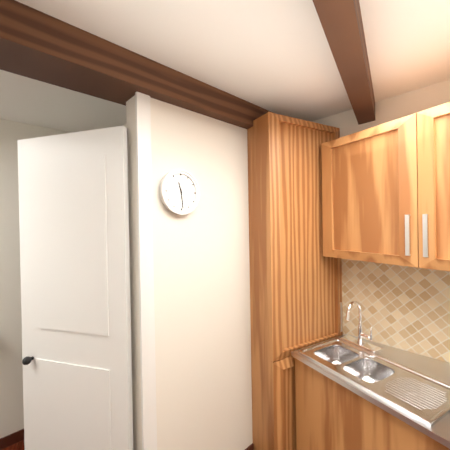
11h29
